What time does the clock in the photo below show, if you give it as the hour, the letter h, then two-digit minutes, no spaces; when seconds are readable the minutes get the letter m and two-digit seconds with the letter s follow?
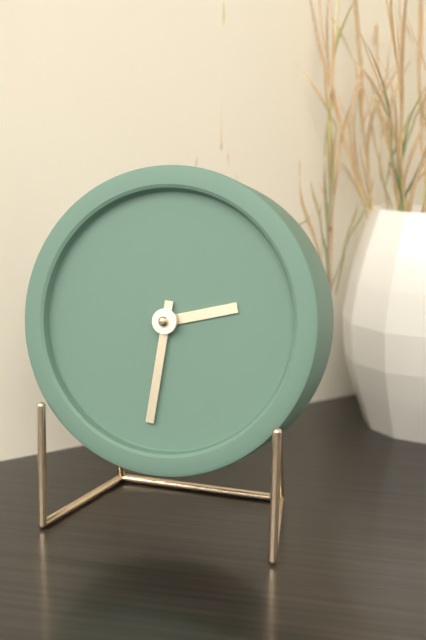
2h31
